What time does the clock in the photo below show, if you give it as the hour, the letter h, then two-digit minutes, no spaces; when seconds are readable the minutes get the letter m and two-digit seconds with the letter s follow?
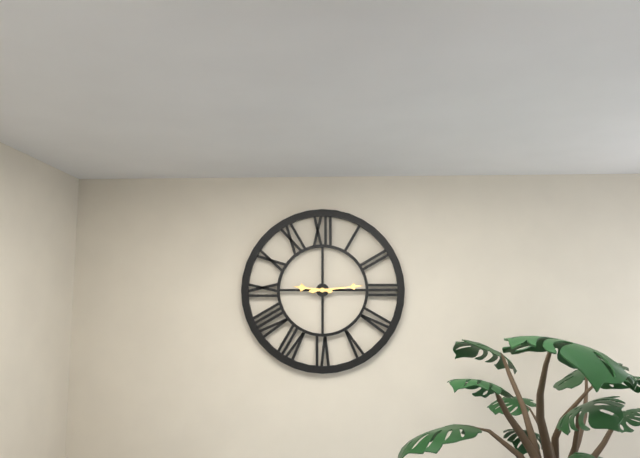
9h14
